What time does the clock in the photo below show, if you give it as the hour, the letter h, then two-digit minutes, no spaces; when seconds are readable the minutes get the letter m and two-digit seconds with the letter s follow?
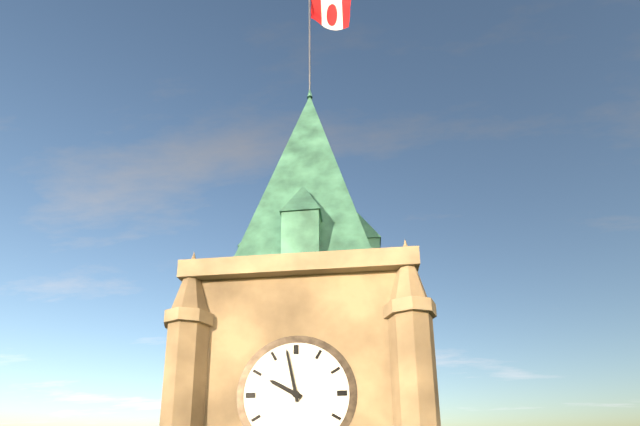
9h58
